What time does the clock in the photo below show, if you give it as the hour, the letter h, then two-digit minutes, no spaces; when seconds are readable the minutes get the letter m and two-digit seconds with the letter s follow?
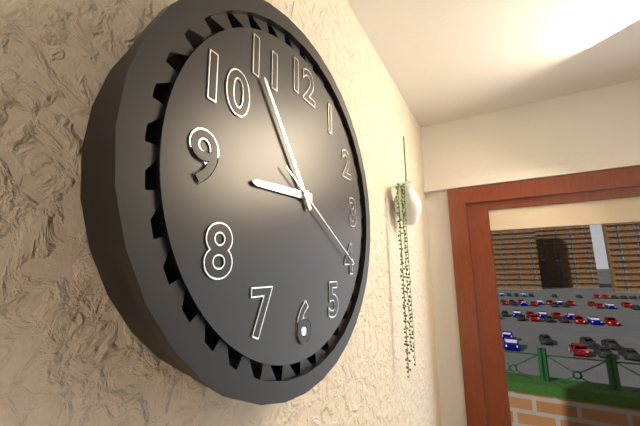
8h54m20s
